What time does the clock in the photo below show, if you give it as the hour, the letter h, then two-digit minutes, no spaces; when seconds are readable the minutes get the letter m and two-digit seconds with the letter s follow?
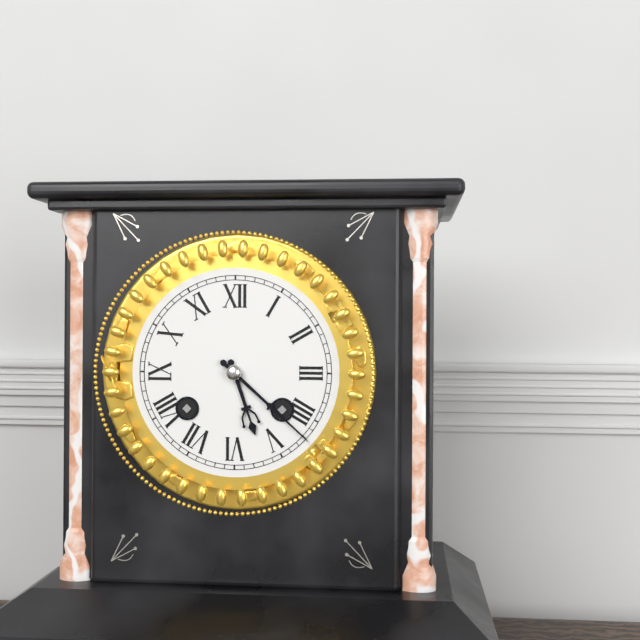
5h22
